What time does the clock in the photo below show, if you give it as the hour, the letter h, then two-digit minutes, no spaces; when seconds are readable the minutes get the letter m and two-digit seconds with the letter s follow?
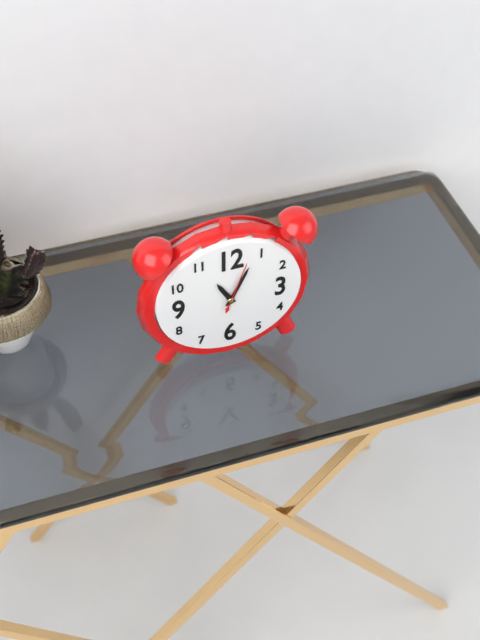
11h04
